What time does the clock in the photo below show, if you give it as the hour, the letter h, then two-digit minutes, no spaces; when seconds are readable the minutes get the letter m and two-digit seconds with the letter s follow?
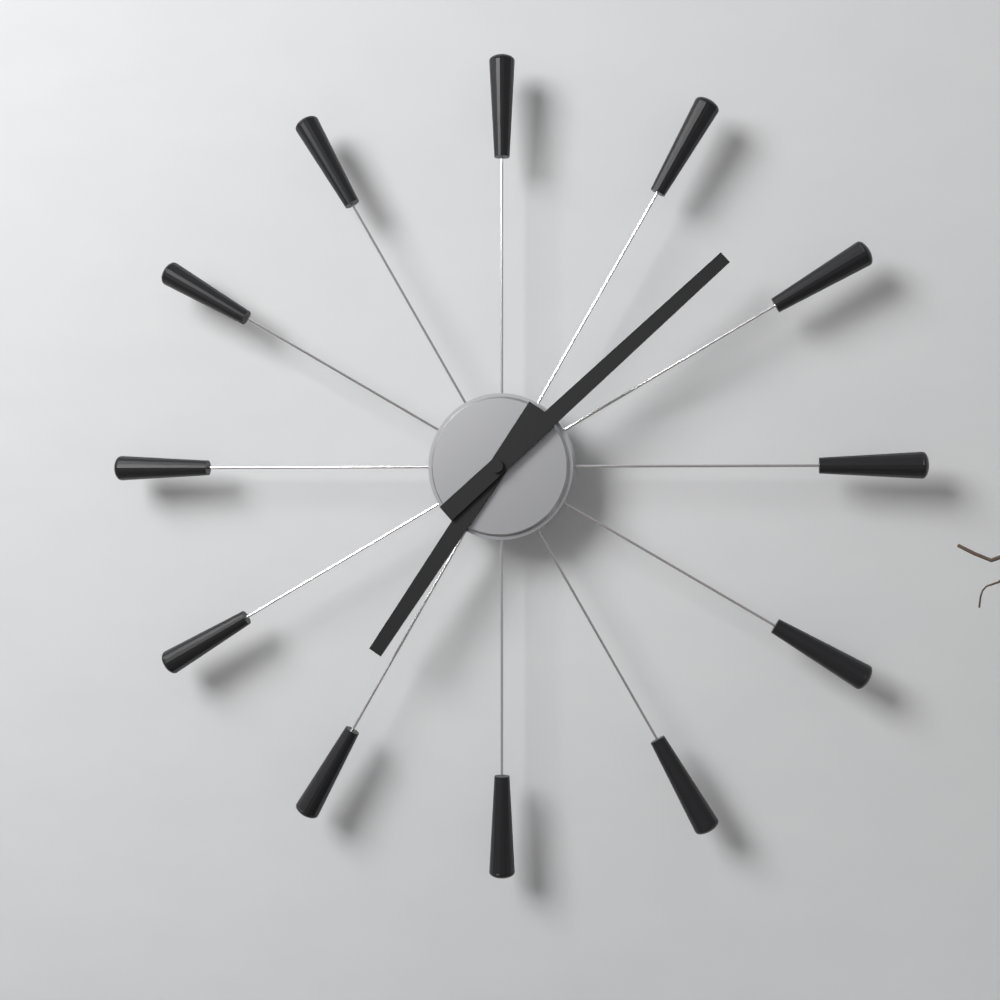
7h08
